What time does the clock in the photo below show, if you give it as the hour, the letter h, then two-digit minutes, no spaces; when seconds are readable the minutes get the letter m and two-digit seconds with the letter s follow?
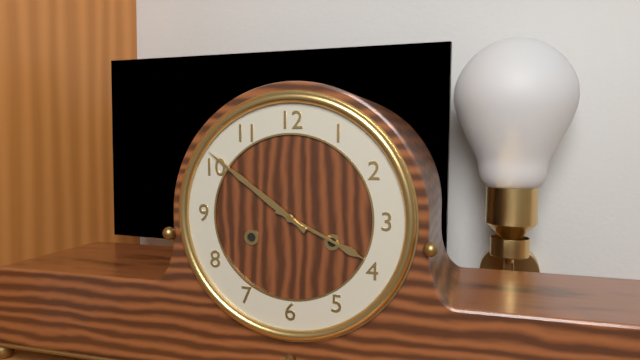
3h51
